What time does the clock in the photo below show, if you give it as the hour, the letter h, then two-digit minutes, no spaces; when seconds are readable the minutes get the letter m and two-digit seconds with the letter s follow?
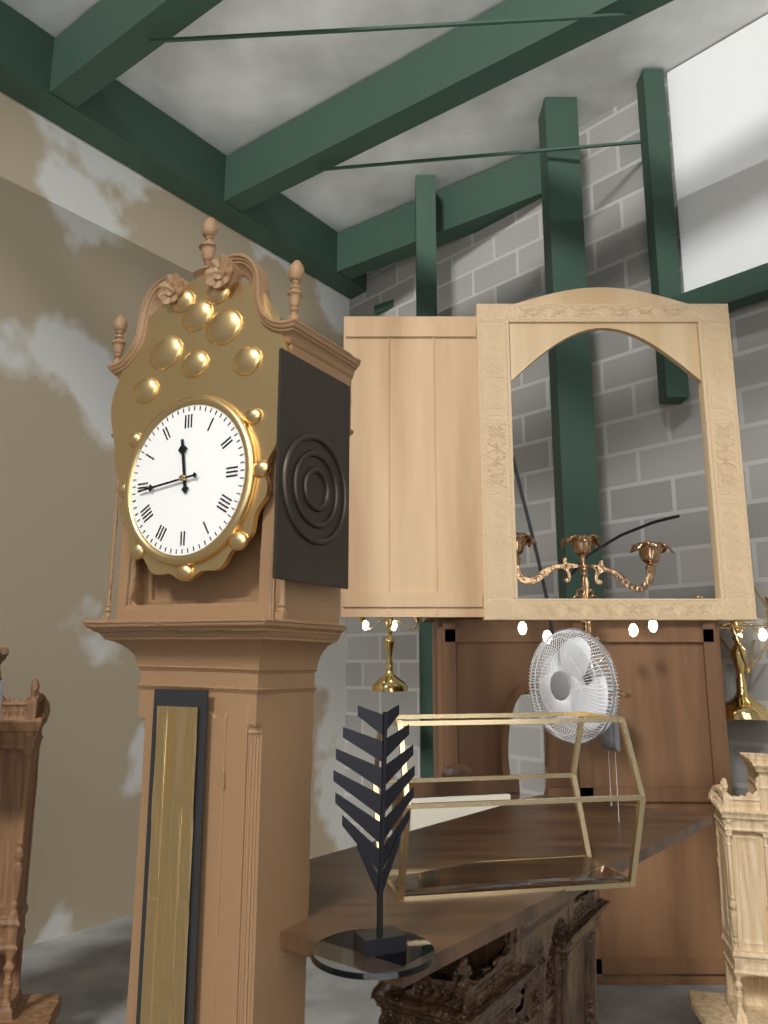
11h44
